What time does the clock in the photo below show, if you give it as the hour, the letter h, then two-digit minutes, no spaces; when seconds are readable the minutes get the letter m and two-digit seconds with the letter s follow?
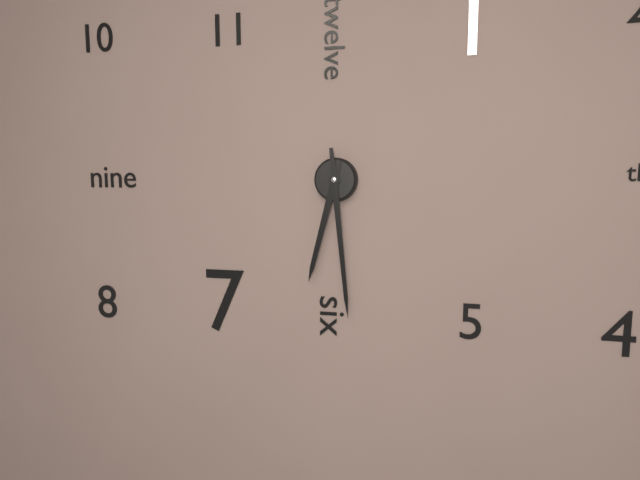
6h29
